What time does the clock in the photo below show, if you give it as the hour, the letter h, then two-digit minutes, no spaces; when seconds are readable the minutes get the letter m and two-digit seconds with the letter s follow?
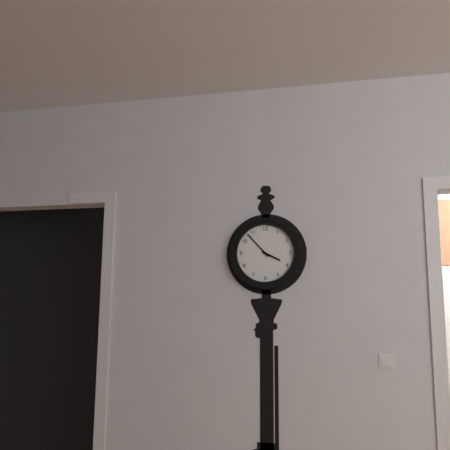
3h53
